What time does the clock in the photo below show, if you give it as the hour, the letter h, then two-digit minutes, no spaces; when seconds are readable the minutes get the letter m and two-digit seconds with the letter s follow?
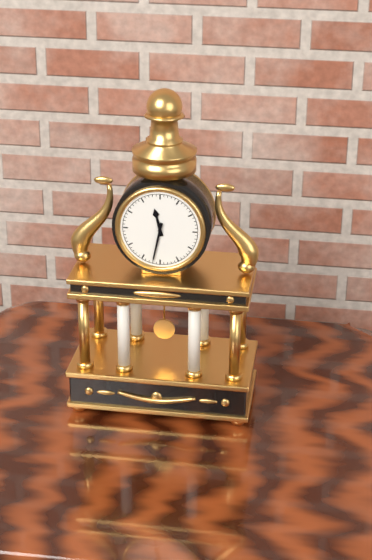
11h32
